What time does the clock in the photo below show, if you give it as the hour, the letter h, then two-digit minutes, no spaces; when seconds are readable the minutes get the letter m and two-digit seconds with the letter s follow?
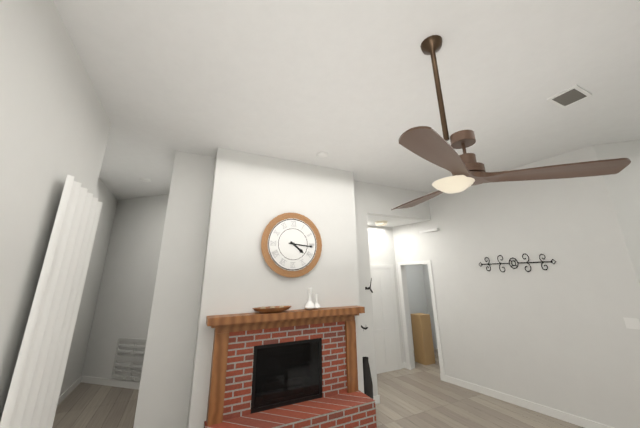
4h16
